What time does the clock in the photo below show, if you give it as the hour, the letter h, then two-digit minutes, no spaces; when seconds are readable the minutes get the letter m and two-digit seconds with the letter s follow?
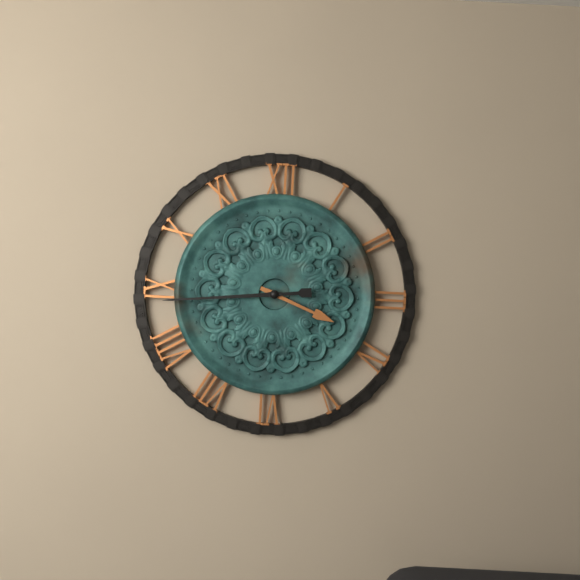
3h44
